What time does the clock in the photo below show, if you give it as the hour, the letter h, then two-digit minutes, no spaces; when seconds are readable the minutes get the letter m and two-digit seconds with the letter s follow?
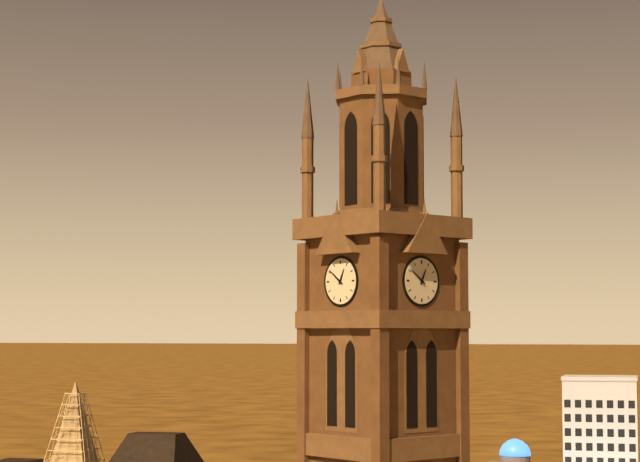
12h51
